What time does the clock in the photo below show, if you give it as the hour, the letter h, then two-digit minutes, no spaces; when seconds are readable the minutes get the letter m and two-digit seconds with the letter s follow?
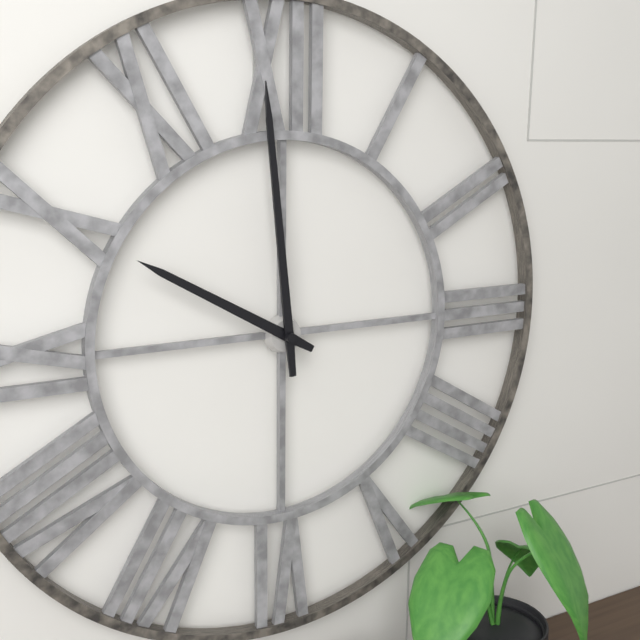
9h59
